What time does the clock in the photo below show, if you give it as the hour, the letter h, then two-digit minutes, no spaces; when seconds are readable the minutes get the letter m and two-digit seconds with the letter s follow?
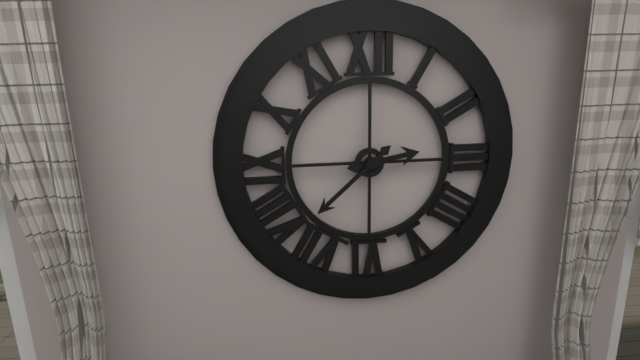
2h38
